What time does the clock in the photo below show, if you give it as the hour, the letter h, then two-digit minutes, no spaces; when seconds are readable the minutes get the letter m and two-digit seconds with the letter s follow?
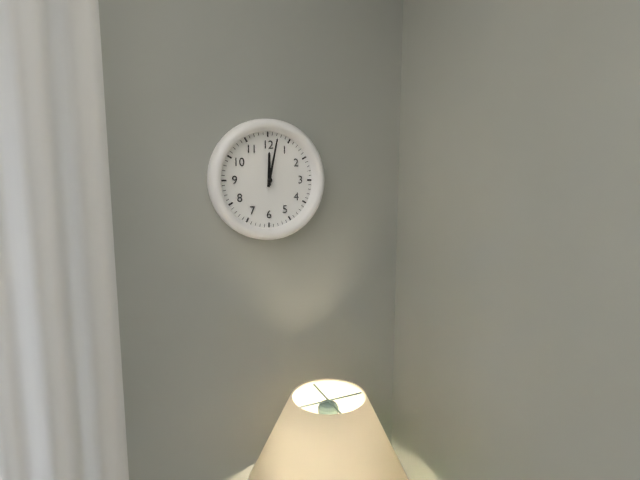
12h02
